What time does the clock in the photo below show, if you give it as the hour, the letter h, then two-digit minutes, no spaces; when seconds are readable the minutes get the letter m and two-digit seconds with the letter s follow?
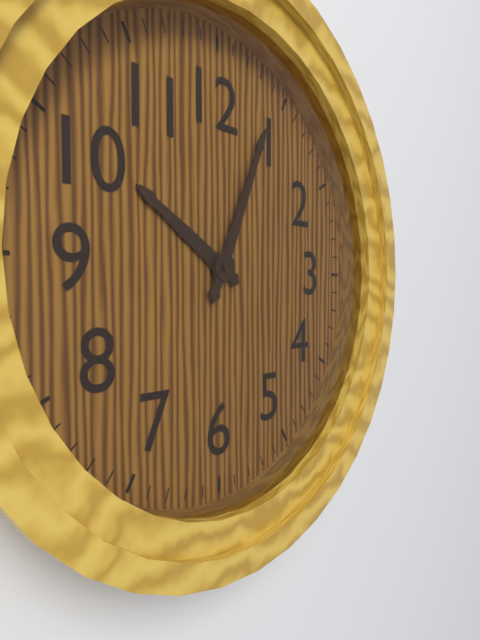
10h04
